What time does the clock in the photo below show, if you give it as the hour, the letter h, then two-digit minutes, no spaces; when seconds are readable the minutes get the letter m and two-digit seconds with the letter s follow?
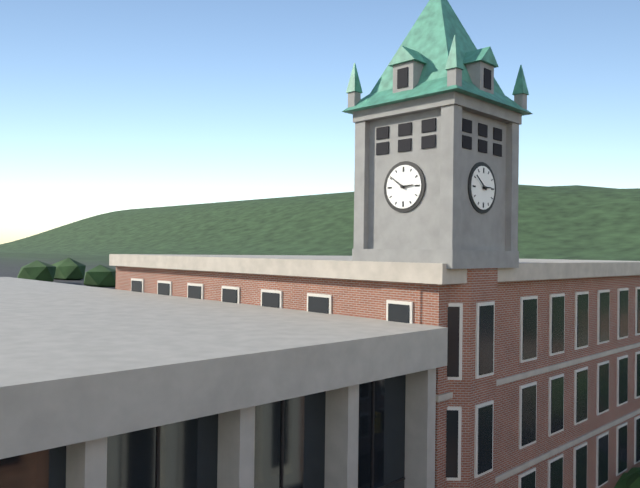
2h51
